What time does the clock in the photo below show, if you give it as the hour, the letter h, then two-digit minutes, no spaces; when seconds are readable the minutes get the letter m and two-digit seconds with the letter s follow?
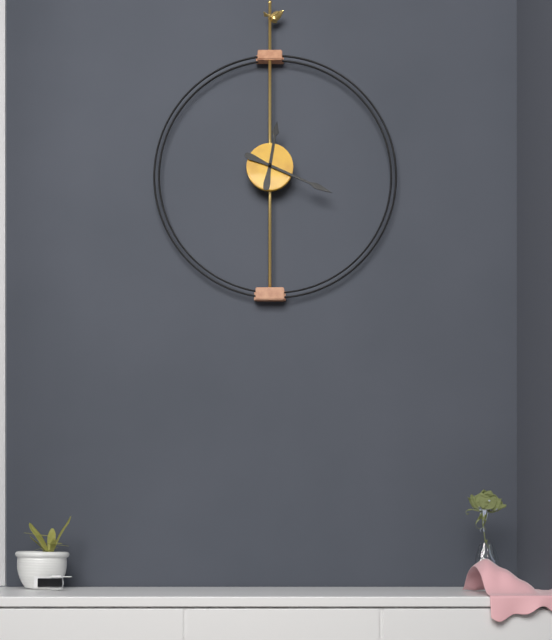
12h19
